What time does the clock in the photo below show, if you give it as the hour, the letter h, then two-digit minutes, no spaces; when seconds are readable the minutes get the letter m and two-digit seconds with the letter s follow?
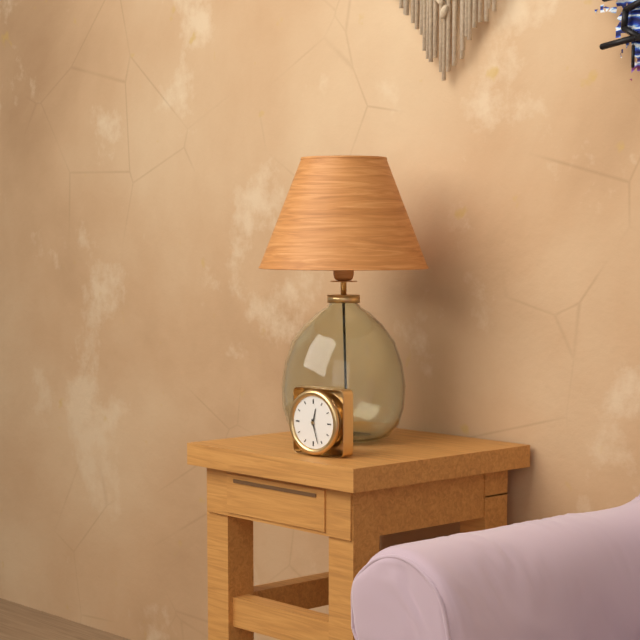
12h27
